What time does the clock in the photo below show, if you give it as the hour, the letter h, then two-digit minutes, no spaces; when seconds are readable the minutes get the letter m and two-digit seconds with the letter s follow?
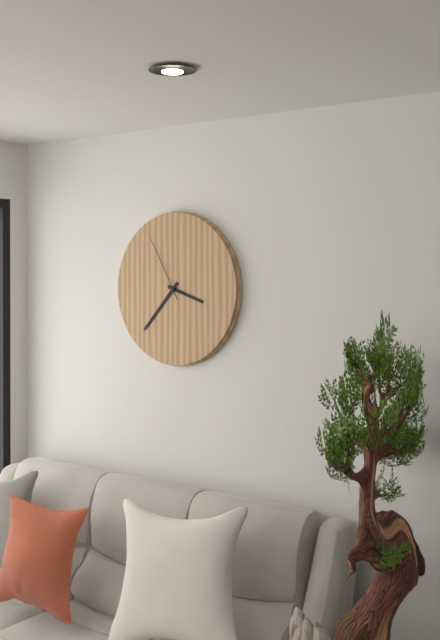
3h37m55s
